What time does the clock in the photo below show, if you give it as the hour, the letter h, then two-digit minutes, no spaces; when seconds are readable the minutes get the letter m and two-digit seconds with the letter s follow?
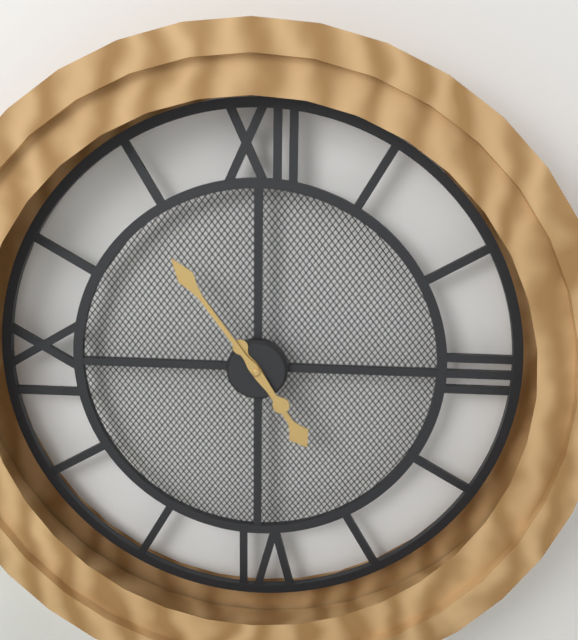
4h54
